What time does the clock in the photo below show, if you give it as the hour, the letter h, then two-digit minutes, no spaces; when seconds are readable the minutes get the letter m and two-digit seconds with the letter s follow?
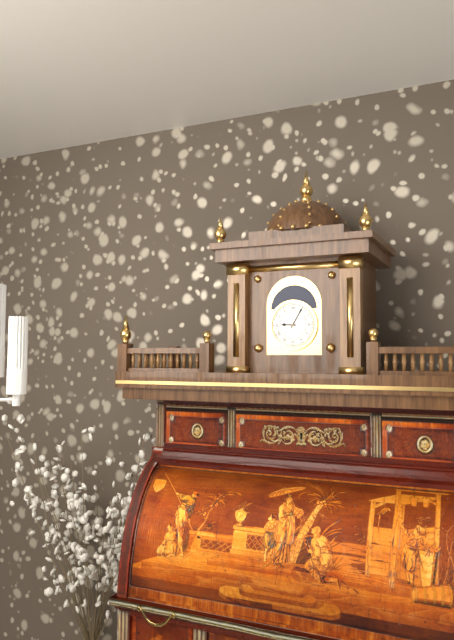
9h05
